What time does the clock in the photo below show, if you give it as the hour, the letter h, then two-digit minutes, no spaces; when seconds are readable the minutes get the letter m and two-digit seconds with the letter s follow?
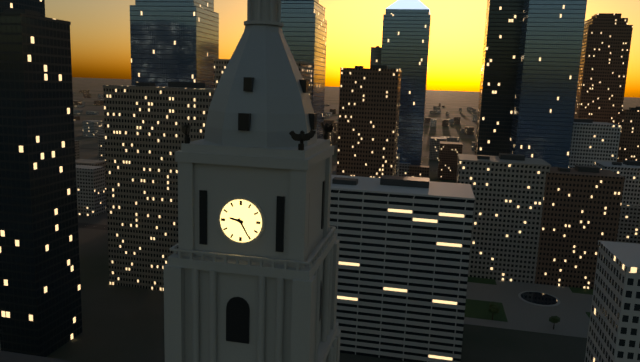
9h25
